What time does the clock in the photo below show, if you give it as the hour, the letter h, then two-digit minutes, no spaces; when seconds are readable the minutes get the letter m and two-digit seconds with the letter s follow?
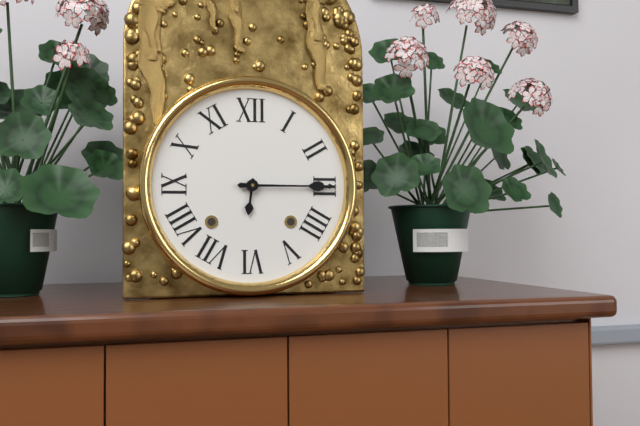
6h15
